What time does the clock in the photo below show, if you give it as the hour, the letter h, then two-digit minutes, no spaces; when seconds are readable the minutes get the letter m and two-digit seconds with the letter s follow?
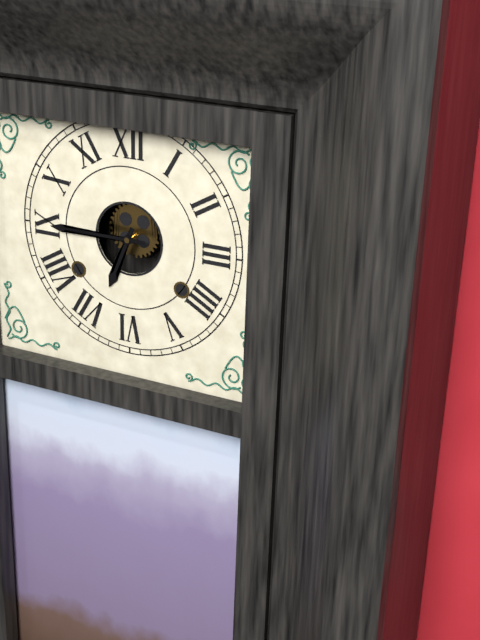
6h45
